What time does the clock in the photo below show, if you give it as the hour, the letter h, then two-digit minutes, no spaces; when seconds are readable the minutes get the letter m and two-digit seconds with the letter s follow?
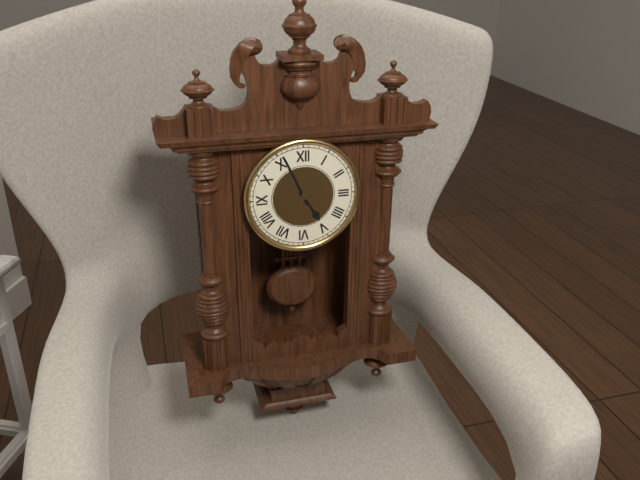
4h56
